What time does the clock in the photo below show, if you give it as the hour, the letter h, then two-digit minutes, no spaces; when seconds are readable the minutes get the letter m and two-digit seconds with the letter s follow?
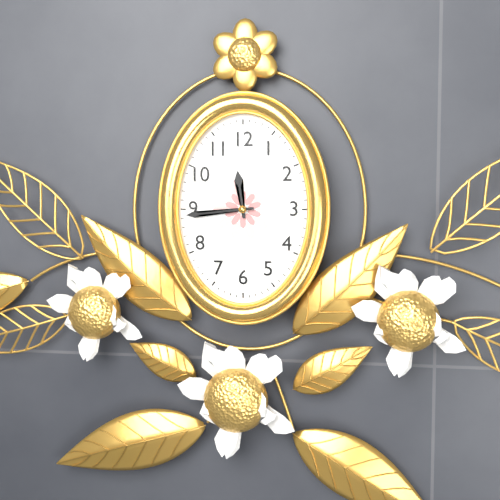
11h44
